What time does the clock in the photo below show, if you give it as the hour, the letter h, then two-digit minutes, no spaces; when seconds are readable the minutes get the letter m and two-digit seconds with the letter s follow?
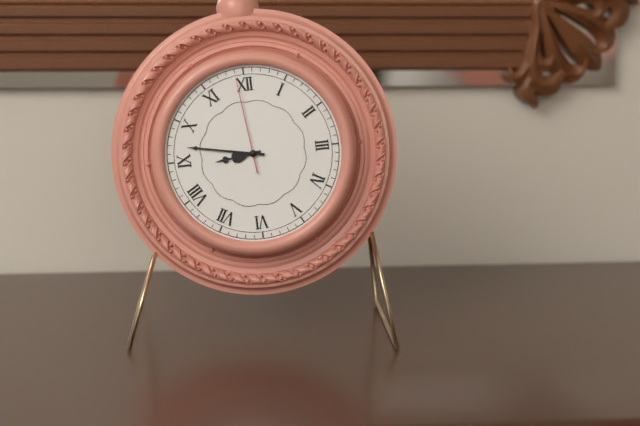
8h47m59s
